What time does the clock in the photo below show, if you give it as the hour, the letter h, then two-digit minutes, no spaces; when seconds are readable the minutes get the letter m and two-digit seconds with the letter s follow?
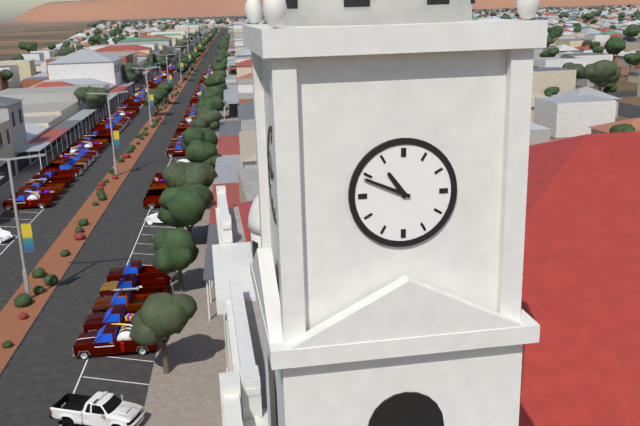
10h49
